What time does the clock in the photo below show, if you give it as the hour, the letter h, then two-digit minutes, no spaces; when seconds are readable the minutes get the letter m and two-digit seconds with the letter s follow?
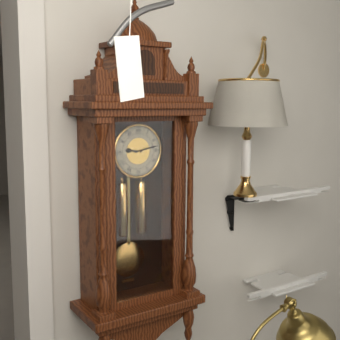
9h13
